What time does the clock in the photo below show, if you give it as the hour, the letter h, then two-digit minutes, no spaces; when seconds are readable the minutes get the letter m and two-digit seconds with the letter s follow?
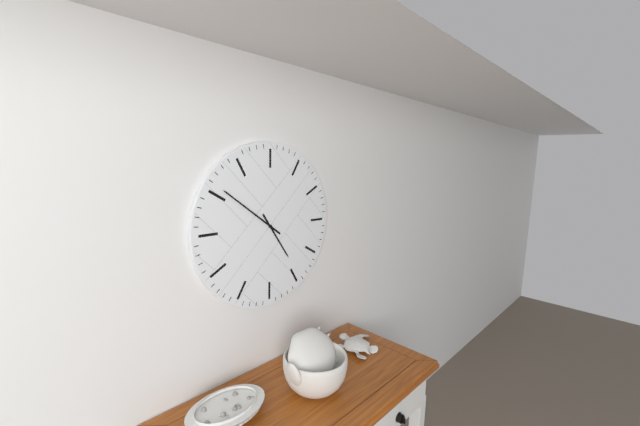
4h51
